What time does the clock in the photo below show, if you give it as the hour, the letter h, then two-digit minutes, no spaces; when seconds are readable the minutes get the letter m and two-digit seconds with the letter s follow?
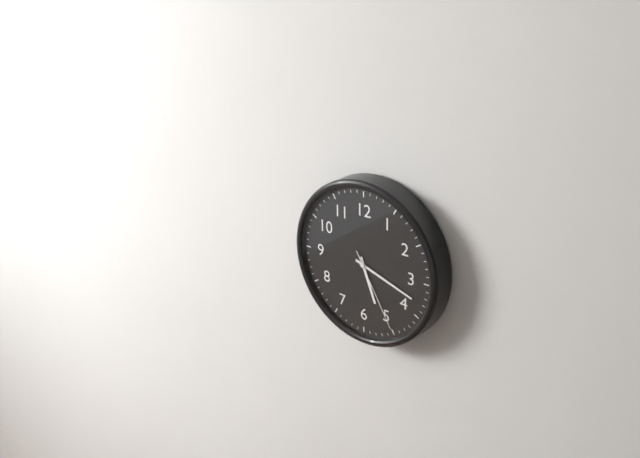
5h18m25s
